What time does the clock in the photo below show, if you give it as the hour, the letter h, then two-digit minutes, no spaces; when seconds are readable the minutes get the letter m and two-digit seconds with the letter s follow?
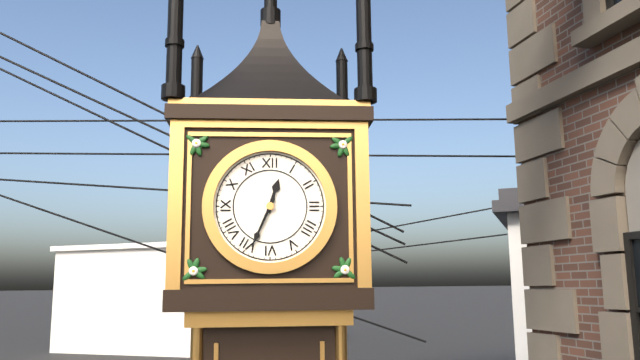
12h34
